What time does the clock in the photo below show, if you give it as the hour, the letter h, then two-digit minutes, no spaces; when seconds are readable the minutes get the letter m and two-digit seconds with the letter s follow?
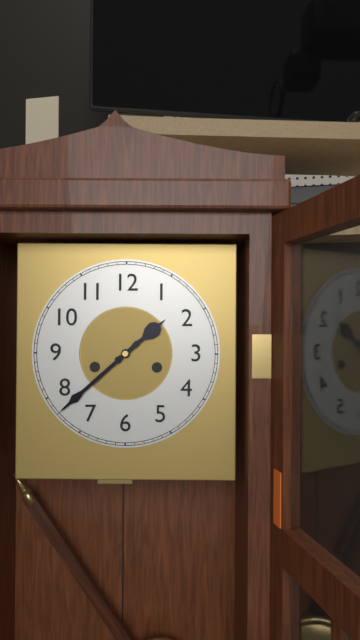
1h38
